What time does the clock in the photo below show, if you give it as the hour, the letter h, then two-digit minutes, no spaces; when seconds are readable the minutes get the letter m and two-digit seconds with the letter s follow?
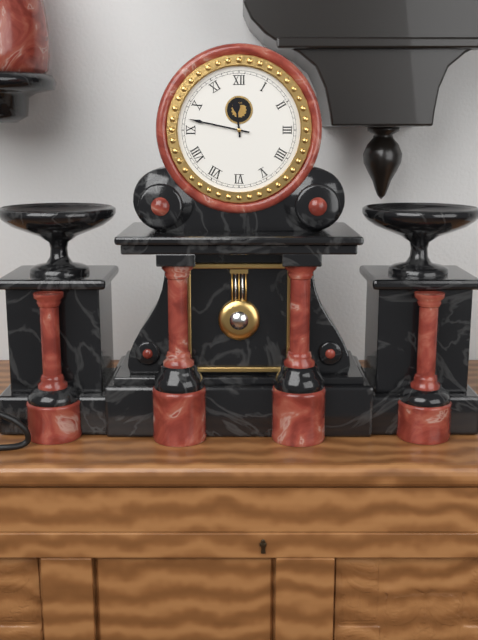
11h47
